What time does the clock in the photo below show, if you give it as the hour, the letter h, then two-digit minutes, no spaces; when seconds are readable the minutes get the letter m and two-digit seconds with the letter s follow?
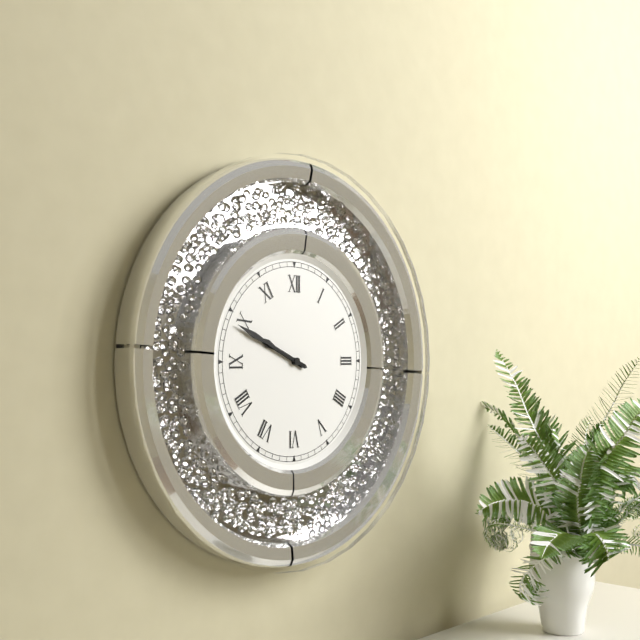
9h49
